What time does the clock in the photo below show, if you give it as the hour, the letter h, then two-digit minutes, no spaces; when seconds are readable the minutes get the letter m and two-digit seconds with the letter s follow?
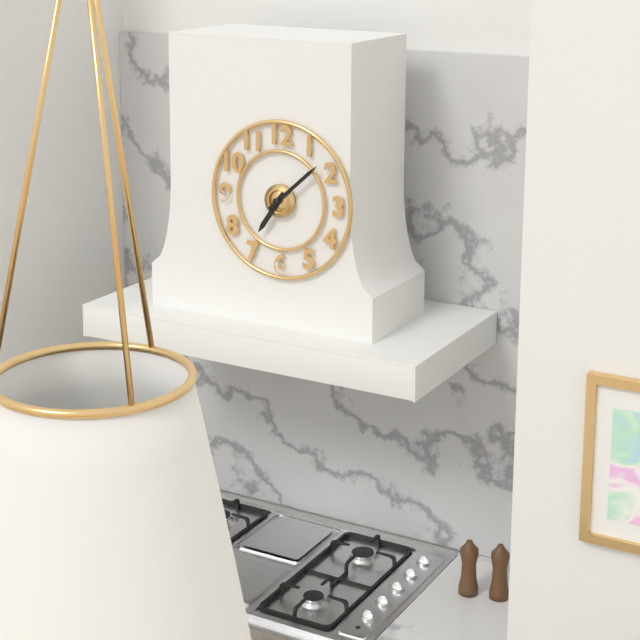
7h08
